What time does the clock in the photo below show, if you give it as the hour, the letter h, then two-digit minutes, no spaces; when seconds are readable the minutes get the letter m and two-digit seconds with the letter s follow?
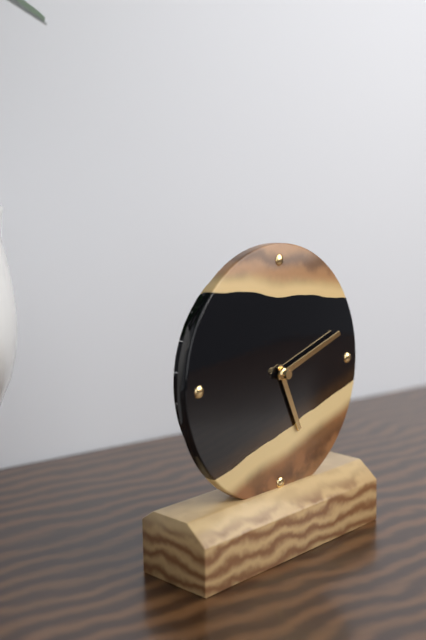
5h12
